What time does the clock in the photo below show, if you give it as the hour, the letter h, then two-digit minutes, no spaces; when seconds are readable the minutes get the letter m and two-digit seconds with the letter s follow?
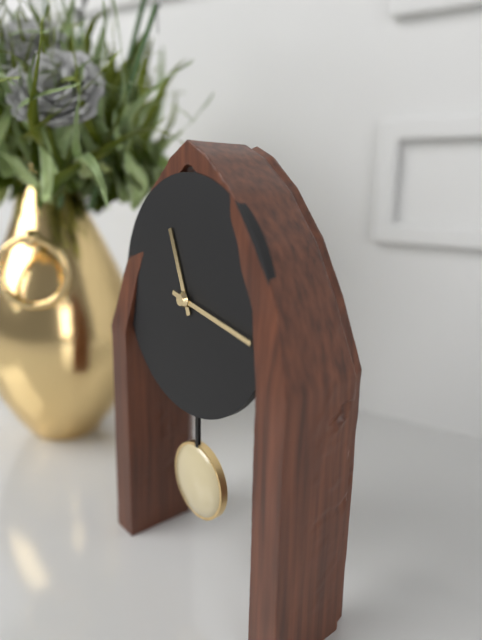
11h17
